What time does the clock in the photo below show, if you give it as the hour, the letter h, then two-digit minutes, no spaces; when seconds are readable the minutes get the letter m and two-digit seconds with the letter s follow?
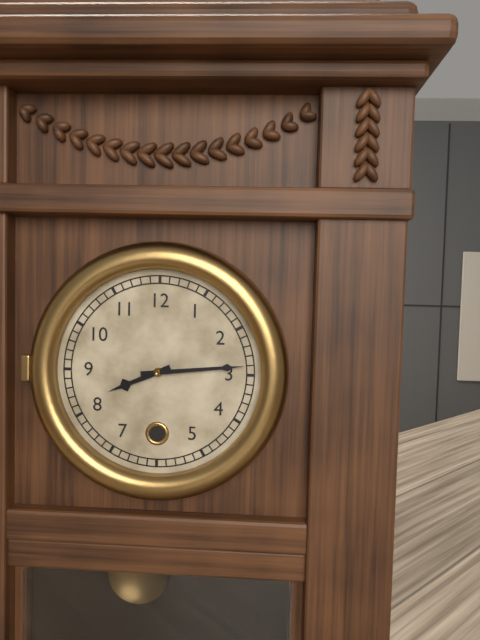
8h14
